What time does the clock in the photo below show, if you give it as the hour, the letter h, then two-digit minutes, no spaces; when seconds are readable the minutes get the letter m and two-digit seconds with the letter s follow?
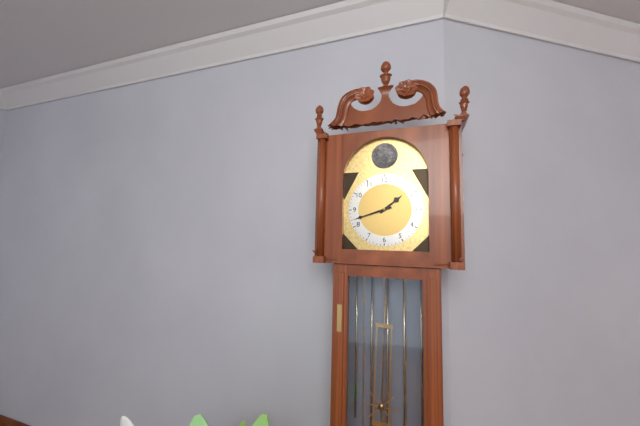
1h42
